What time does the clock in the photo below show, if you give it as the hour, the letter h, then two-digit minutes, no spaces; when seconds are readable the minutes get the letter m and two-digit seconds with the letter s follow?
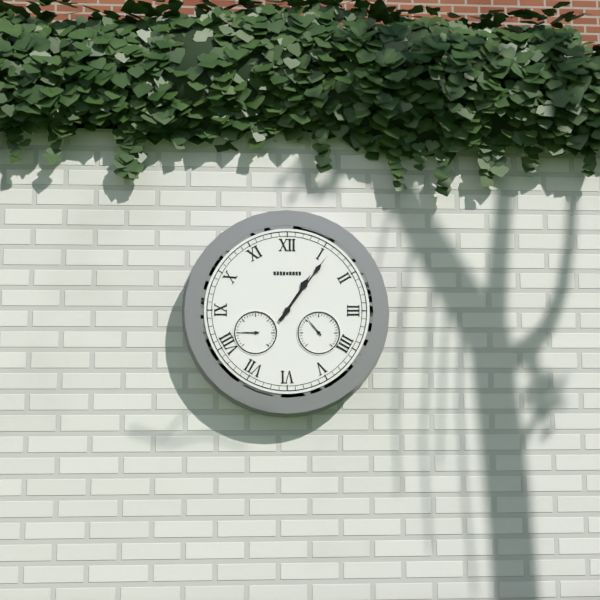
1h06
